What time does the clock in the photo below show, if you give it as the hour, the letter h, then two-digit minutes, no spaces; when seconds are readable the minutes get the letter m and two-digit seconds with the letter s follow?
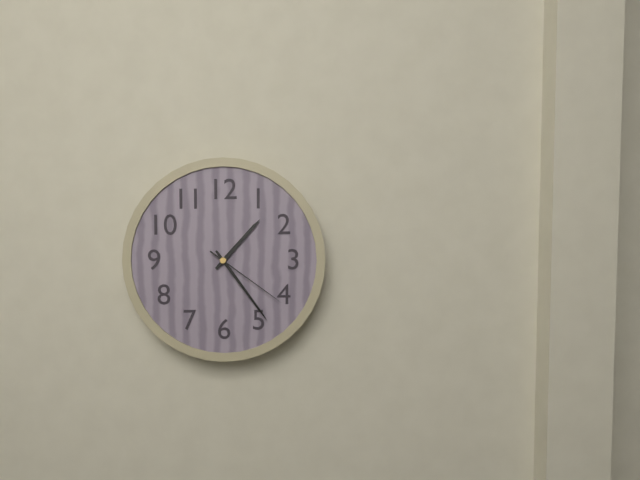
1h24m21s
